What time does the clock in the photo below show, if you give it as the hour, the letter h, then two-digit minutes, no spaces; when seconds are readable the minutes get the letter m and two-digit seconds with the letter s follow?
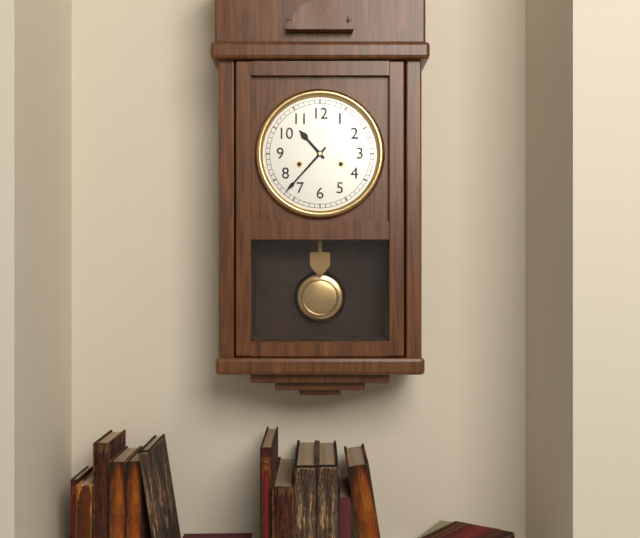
10h37
